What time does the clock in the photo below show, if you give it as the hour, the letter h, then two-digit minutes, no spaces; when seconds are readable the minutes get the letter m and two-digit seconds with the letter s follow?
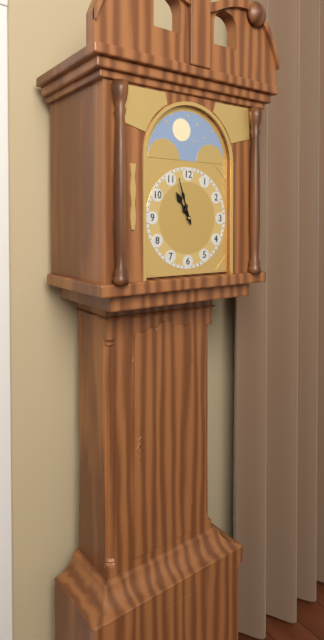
10h57
